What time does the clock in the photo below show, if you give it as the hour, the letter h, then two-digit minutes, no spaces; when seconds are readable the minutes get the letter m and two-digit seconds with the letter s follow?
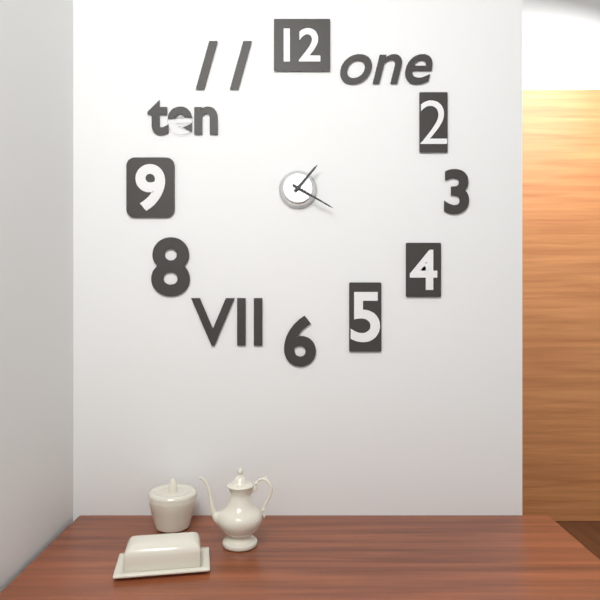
1h20
